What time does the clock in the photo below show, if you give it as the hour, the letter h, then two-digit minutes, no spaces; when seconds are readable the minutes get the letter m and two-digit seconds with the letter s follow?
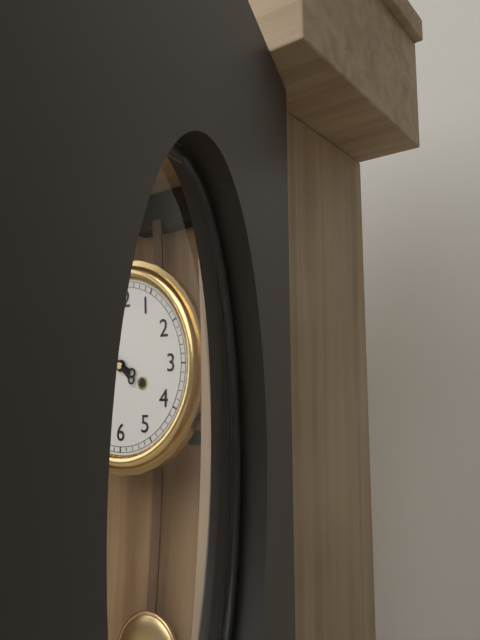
9h52
